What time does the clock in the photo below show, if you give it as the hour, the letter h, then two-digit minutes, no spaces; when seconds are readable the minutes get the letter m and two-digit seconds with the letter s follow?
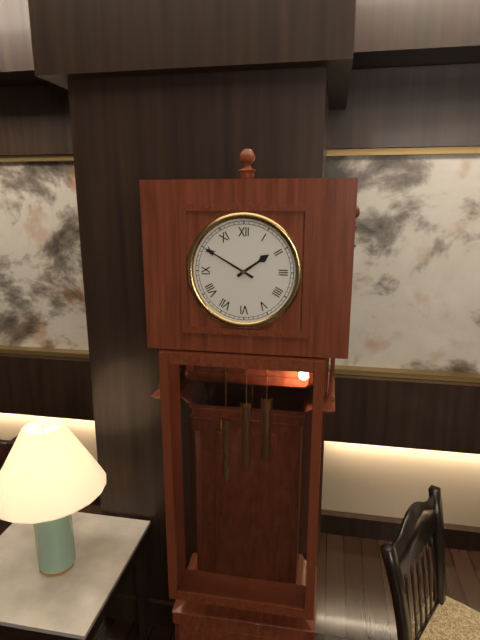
1h50
